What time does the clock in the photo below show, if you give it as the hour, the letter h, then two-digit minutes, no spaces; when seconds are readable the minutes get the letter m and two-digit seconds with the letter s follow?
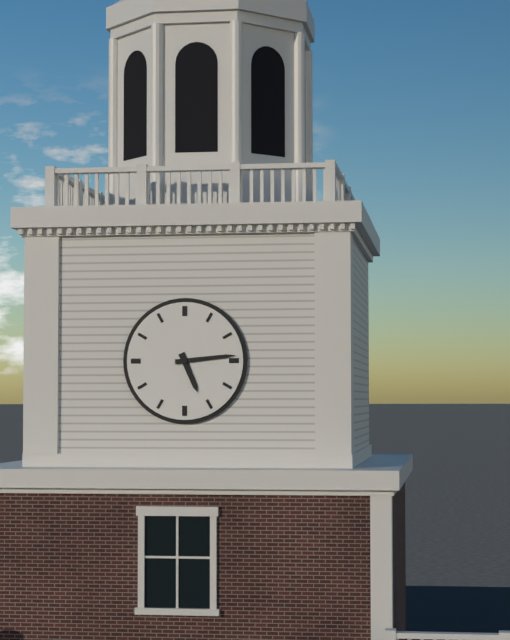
5h14
